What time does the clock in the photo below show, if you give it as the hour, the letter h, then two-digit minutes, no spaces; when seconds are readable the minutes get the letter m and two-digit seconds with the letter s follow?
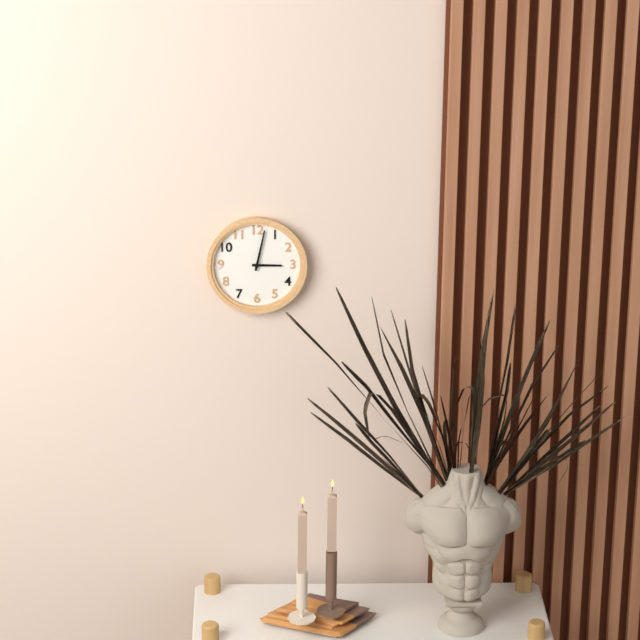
3h02
